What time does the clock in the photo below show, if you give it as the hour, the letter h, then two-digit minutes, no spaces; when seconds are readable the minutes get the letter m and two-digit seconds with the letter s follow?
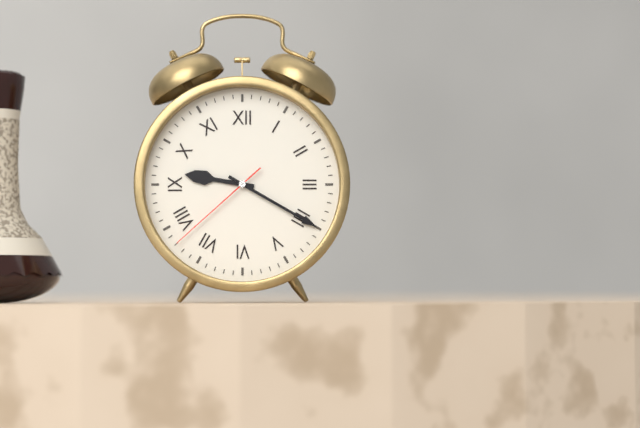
9h20m38s
